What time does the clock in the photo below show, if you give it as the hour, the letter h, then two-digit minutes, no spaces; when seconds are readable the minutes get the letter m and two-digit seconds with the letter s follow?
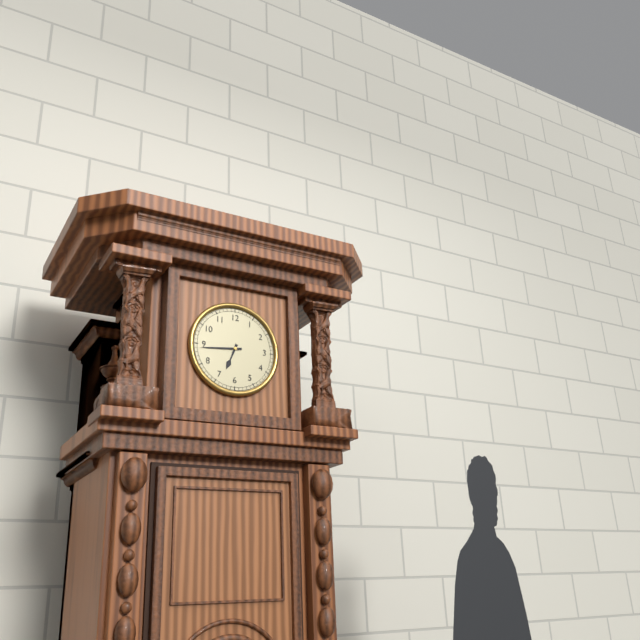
6h44
